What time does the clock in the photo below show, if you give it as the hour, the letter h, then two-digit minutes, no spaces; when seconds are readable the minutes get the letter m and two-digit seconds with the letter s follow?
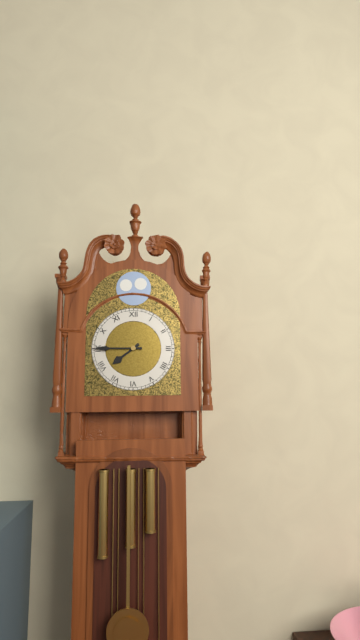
7h45
